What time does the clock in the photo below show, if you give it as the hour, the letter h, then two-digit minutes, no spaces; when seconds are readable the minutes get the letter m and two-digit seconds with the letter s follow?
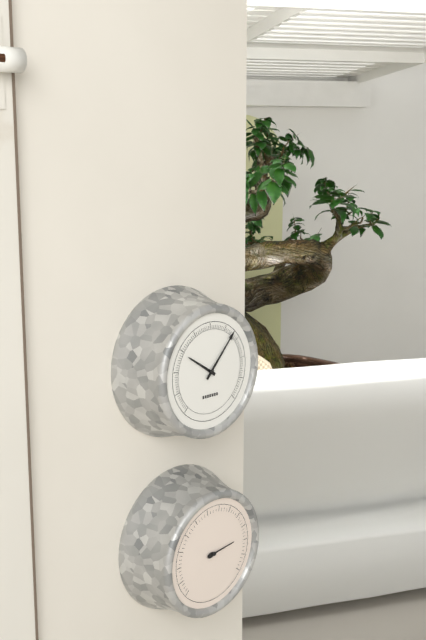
10h07
